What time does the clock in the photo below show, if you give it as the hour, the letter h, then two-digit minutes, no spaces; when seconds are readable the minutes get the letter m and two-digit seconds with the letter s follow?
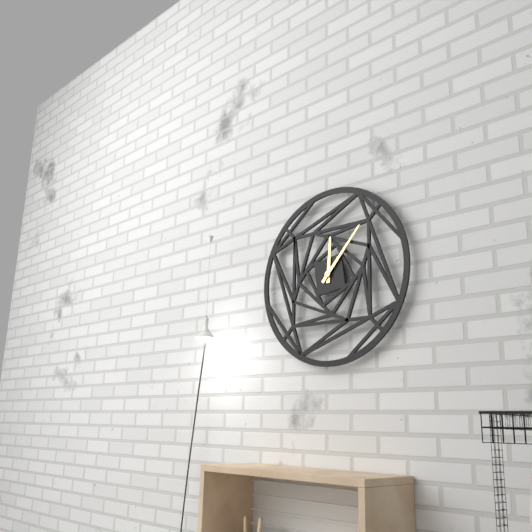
12h07
